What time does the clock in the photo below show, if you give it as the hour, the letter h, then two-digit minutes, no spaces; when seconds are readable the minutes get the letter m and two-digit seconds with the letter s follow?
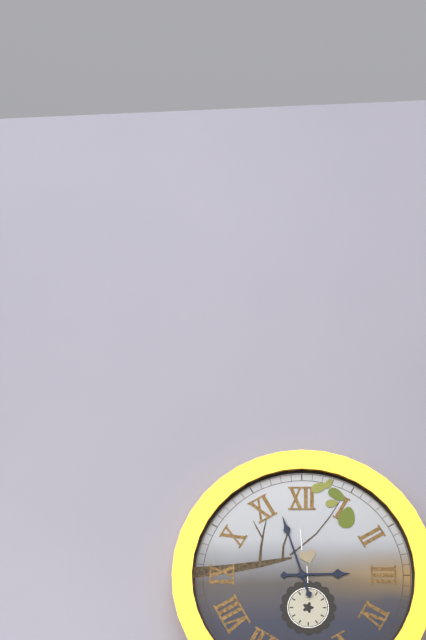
2h57
